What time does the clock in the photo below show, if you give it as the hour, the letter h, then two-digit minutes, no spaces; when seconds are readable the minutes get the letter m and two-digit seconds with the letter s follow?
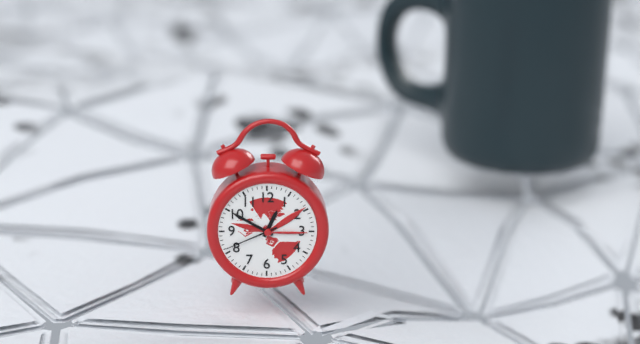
12h50m41s
